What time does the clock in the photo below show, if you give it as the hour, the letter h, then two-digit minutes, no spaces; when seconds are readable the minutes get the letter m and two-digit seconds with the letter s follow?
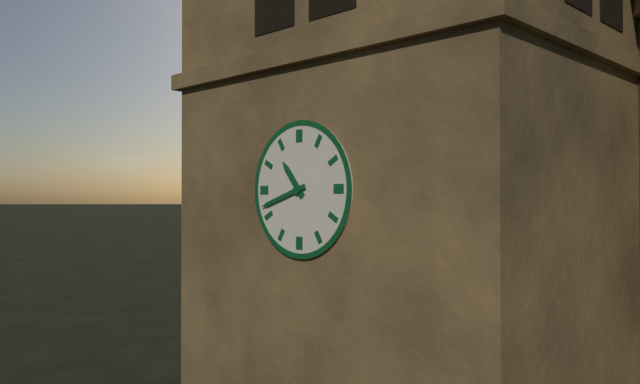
10h42
